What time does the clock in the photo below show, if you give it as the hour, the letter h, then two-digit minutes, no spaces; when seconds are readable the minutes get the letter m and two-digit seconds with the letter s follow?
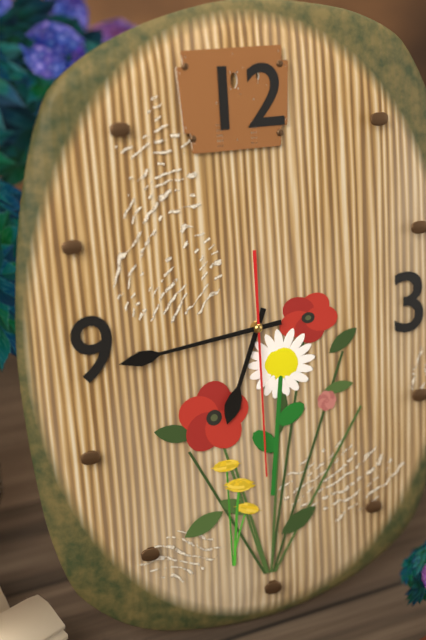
6h44m30s
